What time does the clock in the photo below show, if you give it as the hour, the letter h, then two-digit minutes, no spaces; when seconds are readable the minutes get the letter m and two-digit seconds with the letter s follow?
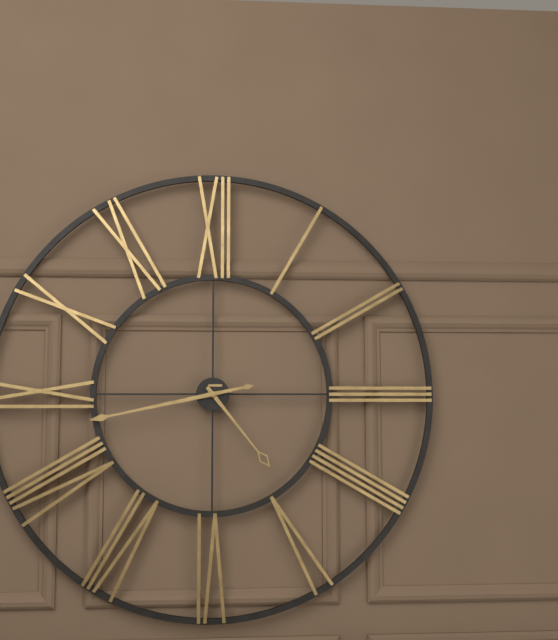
4h43
